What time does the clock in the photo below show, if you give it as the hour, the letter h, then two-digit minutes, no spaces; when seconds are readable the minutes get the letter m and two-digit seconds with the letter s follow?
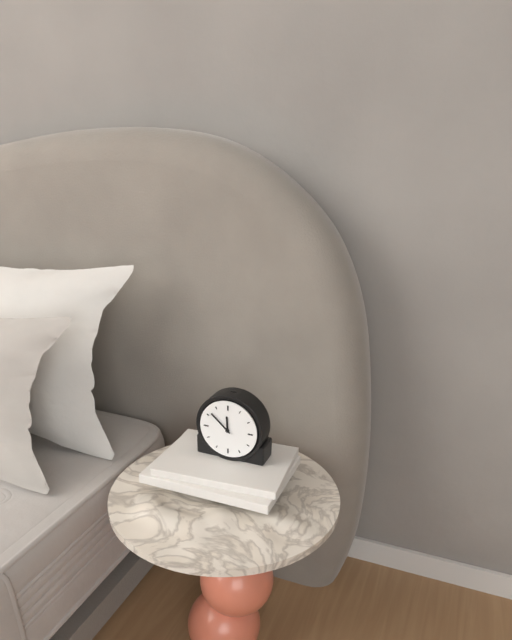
11h52
